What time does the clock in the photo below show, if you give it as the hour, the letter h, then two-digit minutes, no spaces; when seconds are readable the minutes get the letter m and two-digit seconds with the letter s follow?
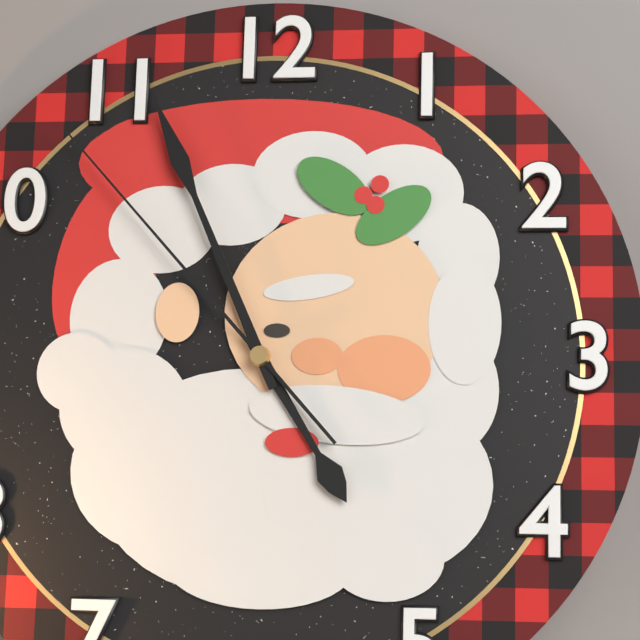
4h56m53s
